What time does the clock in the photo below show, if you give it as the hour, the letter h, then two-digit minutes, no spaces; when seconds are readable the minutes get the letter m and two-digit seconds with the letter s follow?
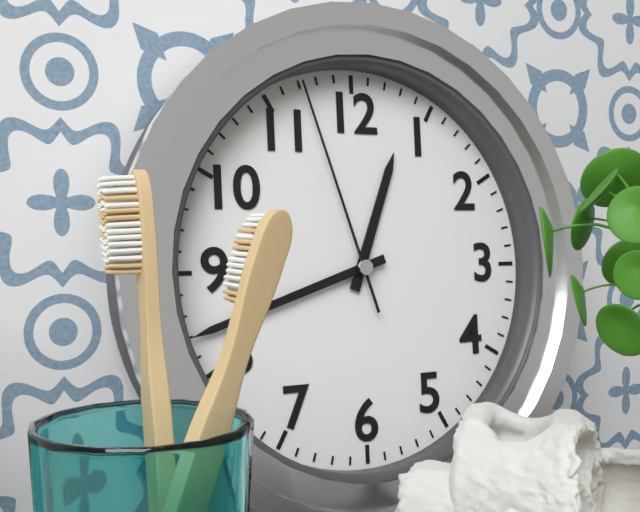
12h42m57s
